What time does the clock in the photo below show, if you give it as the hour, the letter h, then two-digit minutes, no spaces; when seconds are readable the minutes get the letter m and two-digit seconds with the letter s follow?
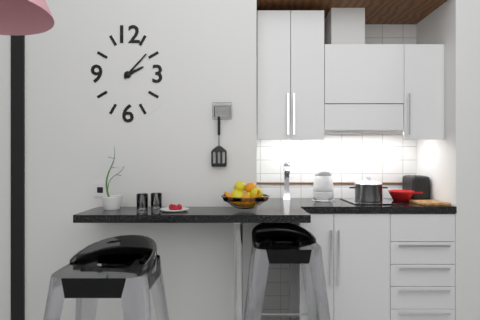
2h07
